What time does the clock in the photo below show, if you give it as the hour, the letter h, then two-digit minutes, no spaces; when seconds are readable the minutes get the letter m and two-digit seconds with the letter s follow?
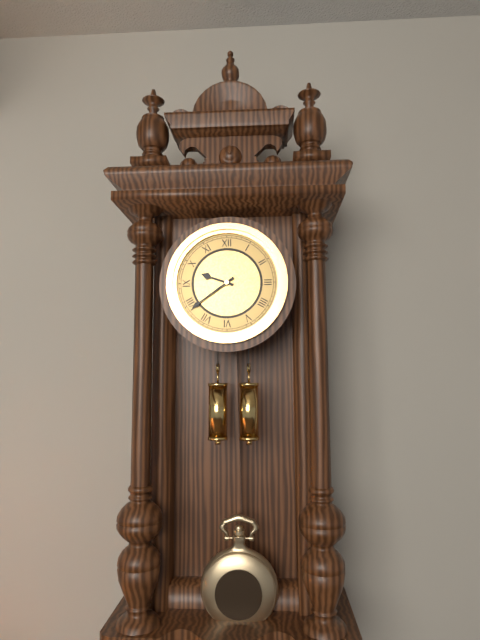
9h39
